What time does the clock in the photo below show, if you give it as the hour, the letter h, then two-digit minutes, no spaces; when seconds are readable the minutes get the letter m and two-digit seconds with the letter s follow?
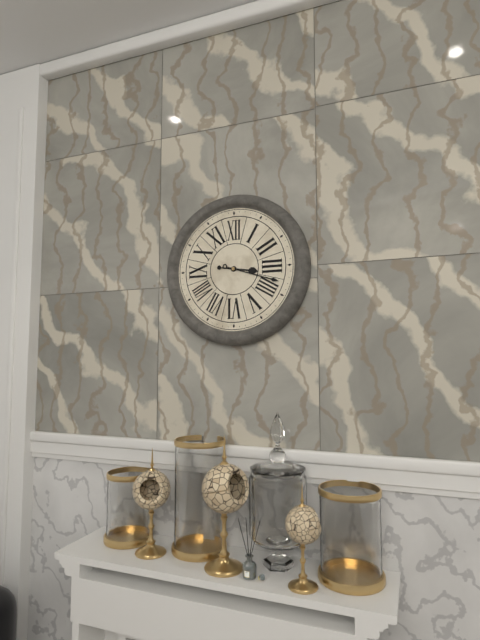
3h18
